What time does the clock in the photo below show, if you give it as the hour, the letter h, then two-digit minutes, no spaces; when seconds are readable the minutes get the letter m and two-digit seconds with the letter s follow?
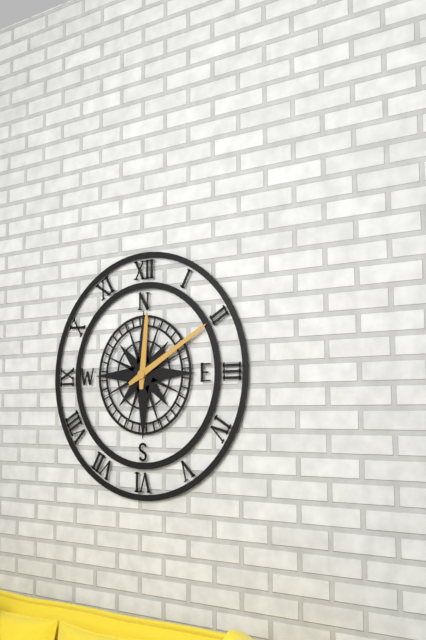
12h10
